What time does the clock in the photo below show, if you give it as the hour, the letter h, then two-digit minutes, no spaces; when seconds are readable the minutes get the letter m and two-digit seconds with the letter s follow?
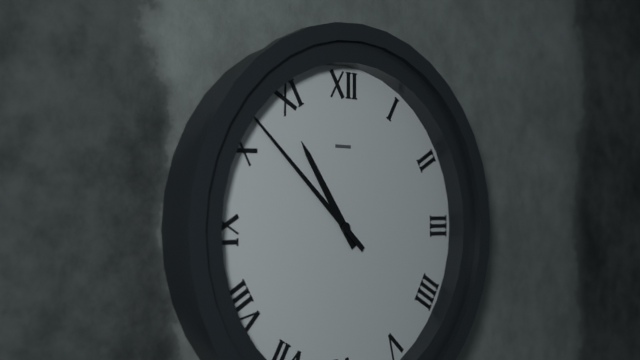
10h52
